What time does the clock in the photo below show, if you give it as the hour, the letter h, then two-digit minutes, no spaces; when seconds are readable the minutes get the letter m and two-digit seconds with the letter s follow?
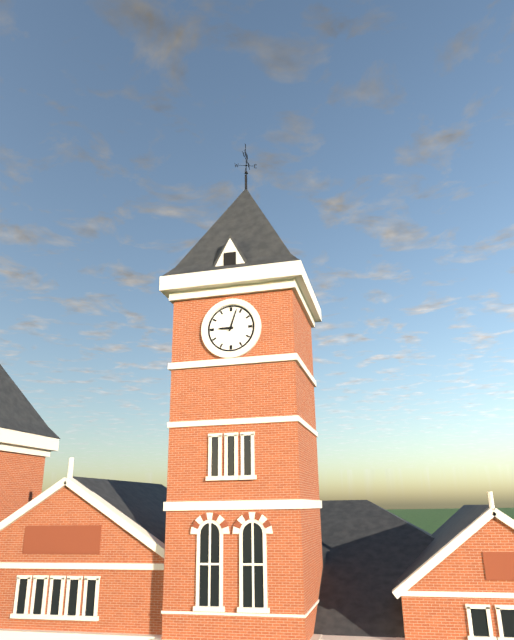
9h03
